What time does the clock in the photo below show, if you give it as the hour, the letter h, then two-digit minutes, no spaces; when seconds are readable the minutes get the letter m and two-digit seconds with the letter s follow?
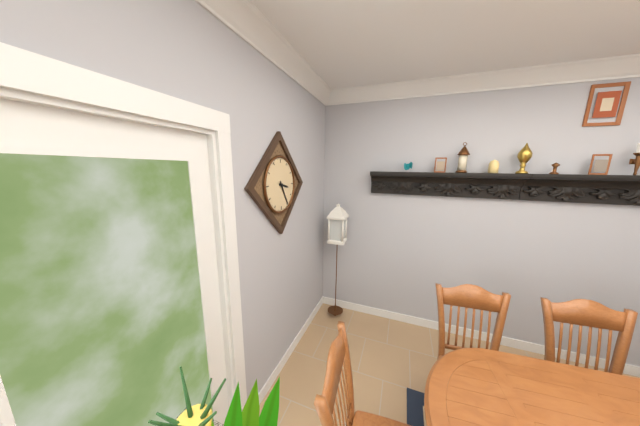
3h25
